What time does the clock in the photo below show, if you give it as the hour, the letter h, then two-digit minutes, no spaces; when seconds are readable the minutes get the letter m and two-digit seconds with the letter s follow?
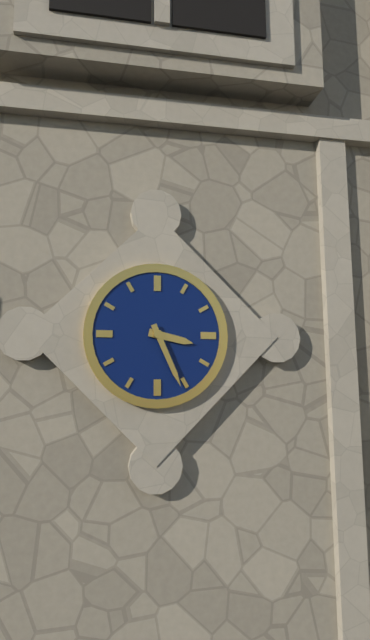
3h26
